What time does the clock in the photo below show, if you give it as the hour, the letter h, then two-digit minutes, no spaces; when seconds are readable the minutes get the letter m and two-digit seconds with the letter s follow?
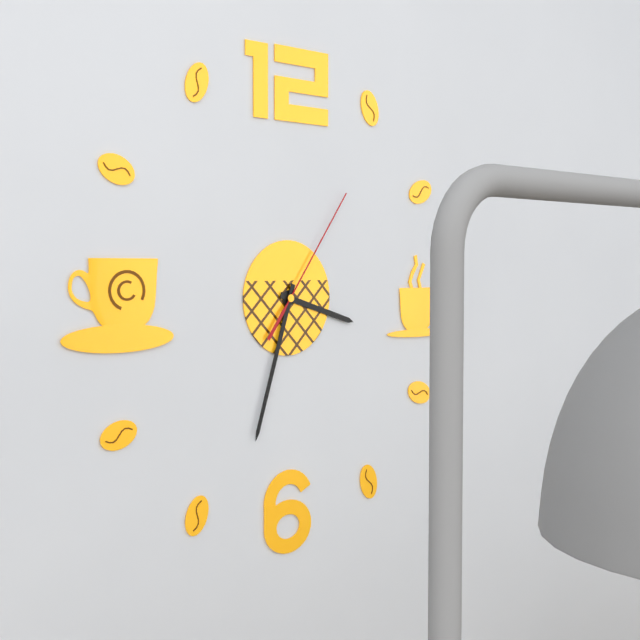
3h33m06s
